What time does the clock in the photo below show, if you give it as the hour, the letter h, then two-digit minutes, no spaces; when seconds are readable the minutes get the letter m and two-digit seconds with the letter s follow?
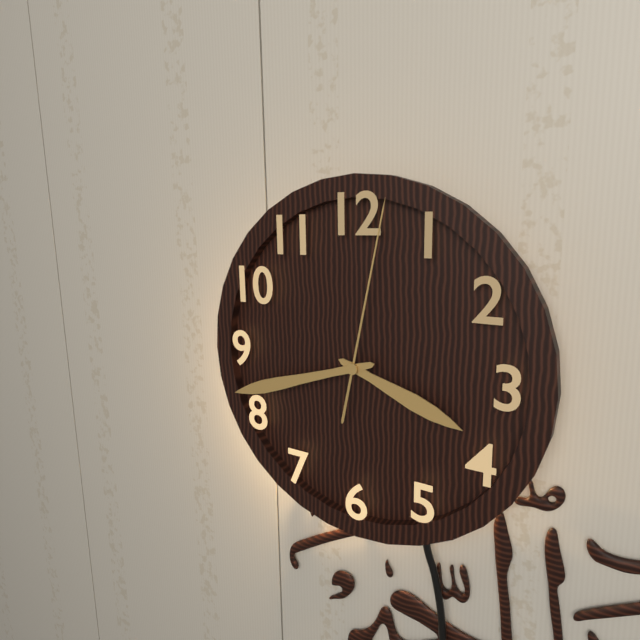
3h42m02s
